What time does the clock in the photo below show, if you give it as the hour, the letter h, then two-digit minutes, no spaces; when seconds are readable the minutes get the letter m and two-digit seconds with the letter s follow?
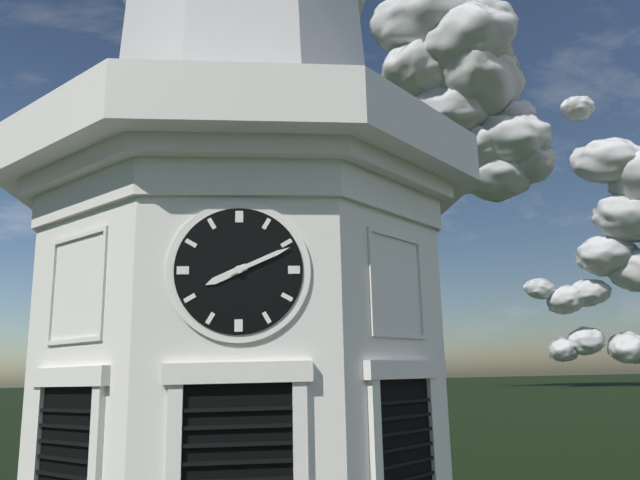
8h11
